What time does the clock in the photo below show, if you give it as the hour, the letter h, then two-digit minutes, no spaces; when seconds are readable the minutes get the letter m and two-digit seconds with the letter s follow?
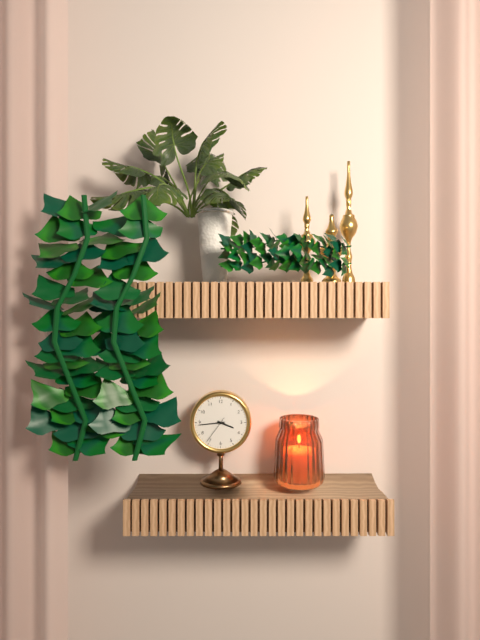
3h44
